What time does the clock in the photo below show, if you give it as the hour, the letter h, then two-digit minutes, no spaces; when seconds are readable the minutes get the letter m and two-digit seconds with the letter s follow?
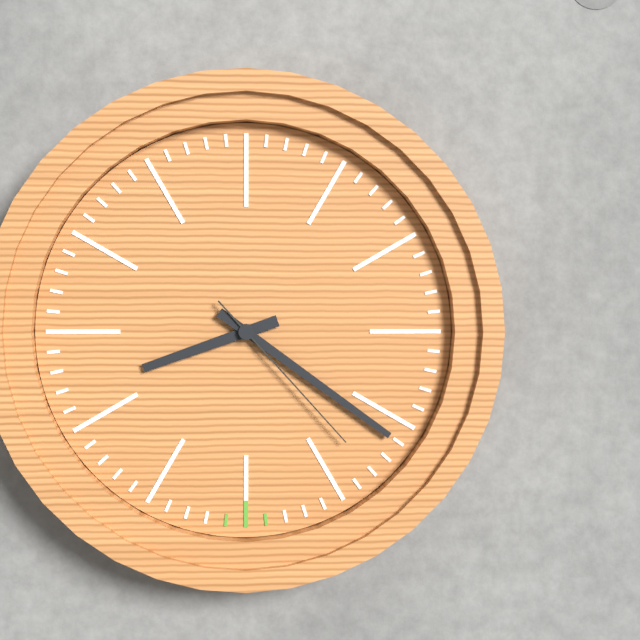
8h21m23s
